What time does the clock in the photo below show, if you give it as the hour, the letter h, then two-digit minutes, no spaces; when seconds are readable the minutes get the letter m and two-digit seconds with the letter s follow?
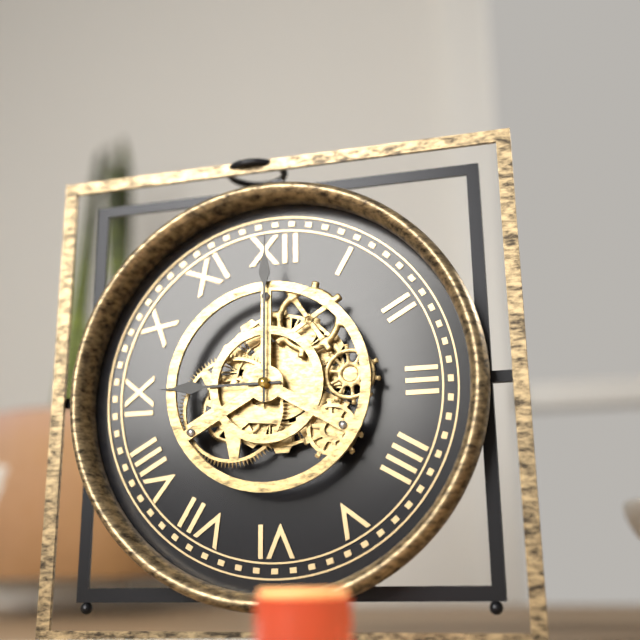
9h00
